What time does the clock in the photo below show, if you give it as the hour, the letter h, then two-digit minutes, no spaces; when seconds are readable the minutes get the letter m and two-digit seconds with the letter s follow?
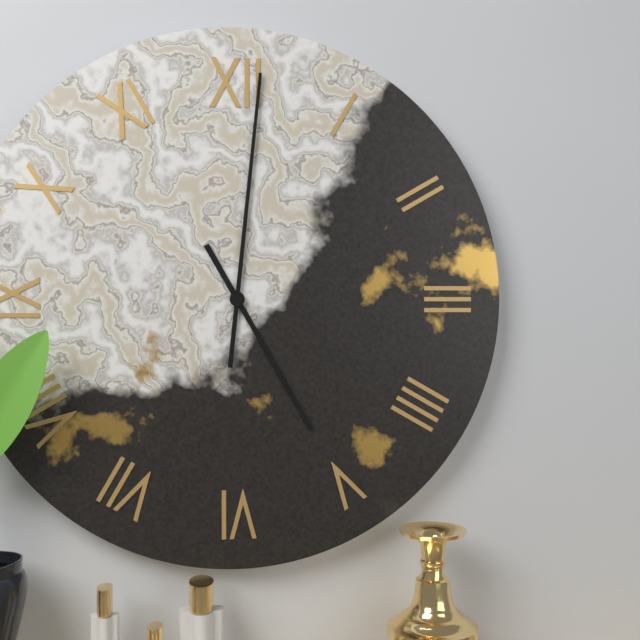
5h01
